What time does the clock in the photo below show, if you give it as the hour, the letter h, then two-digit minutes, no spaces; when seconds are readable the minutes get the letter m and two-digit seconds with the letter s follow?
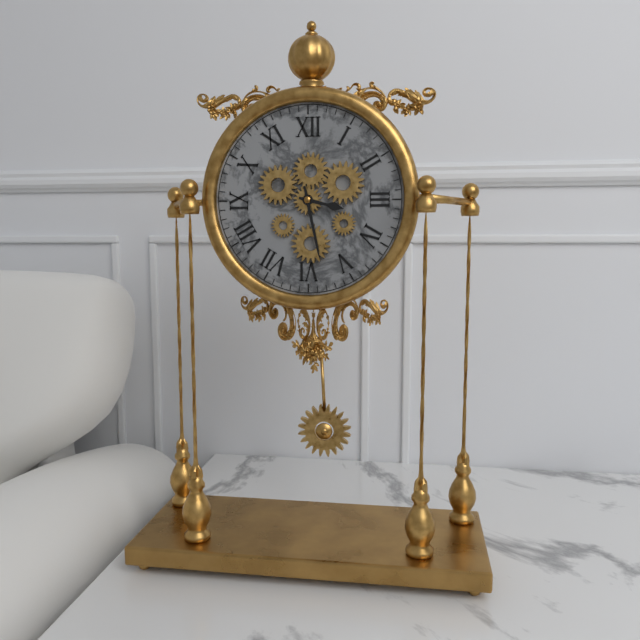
3h28
